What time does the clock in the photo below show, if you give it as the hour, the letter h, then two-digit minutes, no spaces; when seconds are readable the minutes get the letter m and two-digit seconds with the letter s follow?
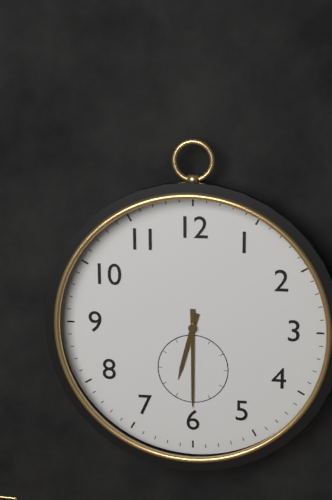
6h30
